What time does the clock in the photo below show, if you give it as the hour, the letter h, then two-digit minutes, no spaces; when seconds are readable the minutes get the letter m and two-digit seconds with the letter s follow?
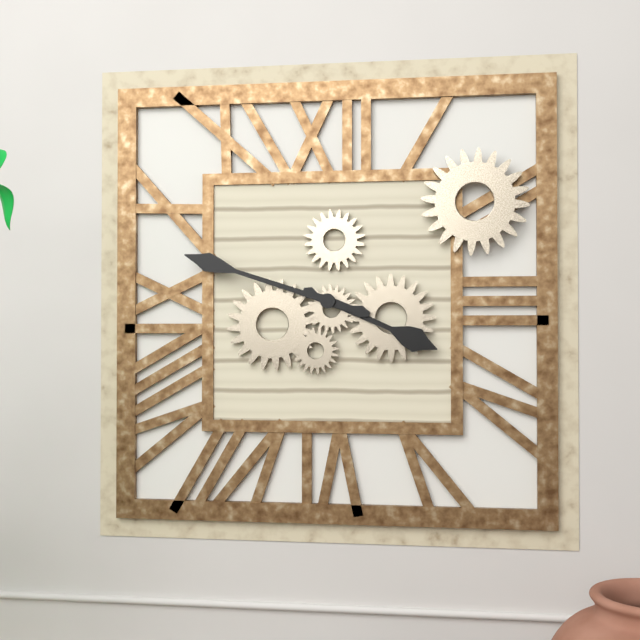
3h48
